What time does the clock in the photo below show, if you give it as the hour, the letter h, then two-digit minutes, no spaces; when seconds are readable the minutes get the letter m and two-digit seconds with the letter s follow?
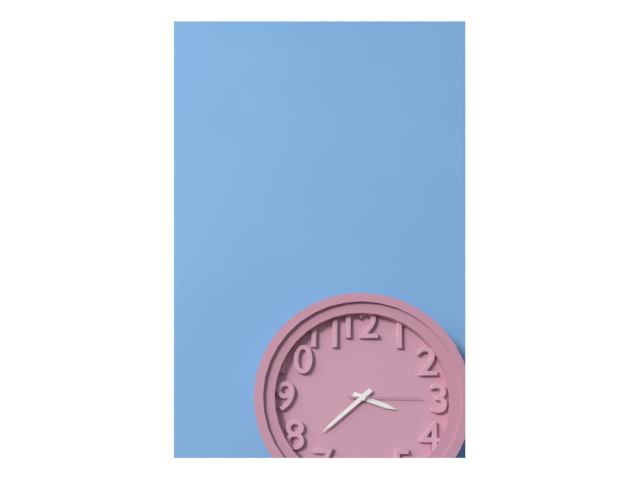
3h38m15s
